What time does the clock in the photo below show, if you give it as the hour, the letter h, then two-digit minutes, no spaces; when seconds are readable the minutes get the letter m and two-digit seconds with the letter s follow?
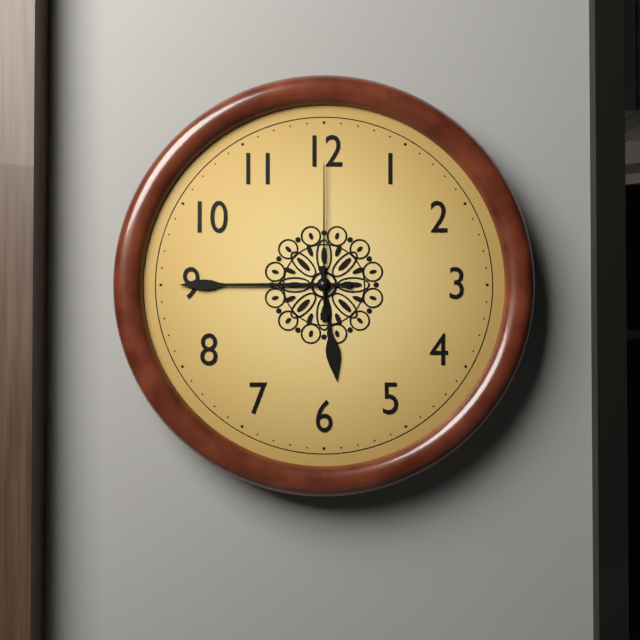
5h45m00s
